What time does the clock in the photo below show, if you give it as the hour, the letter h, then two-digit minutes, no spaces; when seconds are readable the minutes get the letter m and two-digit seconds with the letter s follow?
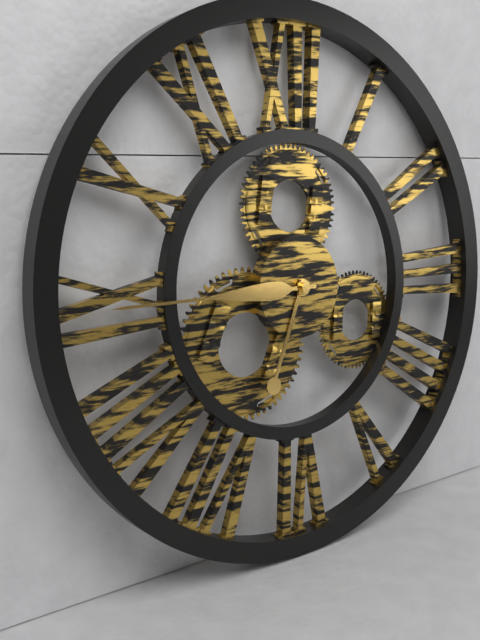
6h45
